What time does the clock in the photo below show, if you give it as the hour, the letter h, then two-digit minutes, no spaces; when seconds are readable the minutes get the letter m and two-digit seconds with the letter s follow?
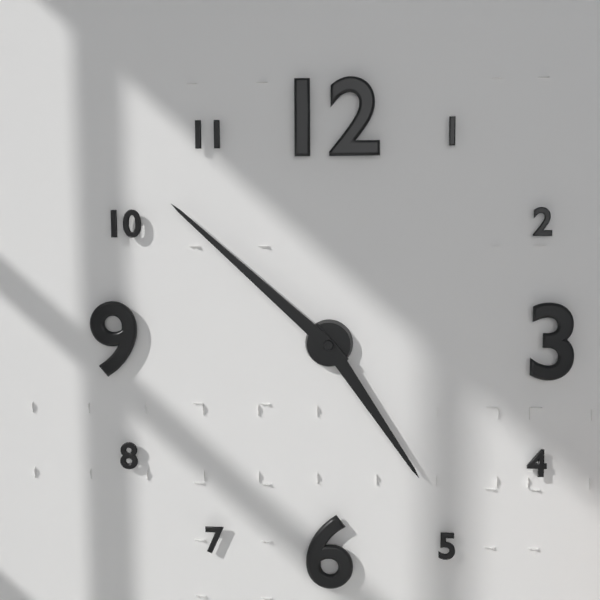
4h52
